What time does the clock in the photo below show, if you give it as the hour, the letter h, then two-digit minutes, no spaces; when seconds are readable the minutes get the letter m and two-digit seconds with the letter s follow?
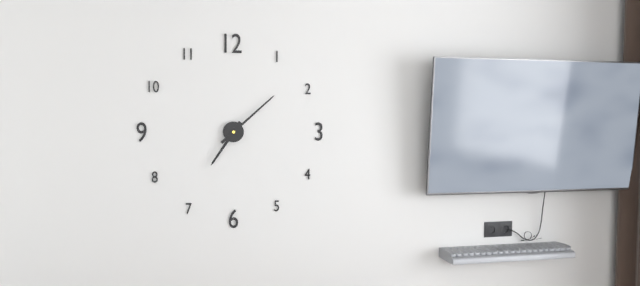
7h08
